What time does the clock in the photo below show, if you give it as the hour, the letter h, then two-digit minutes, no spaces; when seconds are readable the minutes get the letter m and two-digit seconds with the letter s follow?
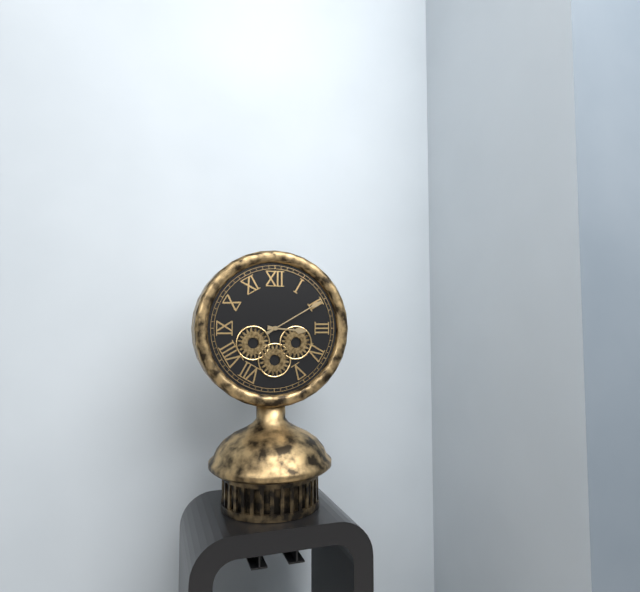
3h10
